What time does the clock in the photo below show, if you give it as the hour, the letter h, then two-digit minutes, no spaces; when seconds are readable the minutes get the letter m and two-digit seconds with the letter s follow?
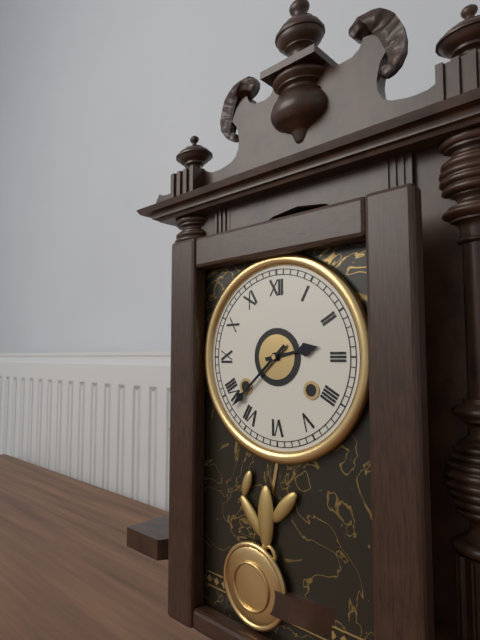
2h38
